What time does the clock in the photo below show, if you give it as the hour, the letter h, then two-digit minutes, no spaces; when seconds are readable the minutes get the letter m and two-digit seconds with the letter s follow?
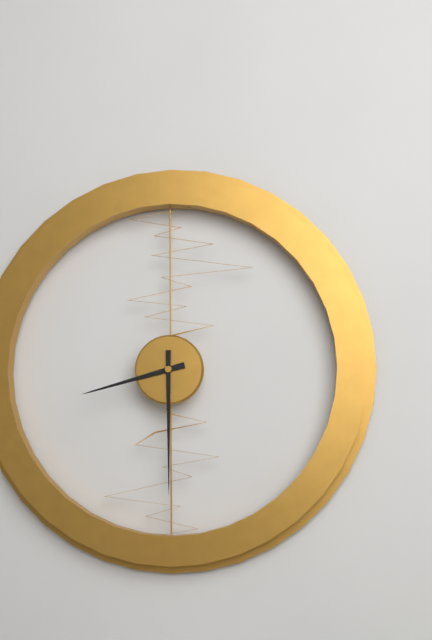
8h30
